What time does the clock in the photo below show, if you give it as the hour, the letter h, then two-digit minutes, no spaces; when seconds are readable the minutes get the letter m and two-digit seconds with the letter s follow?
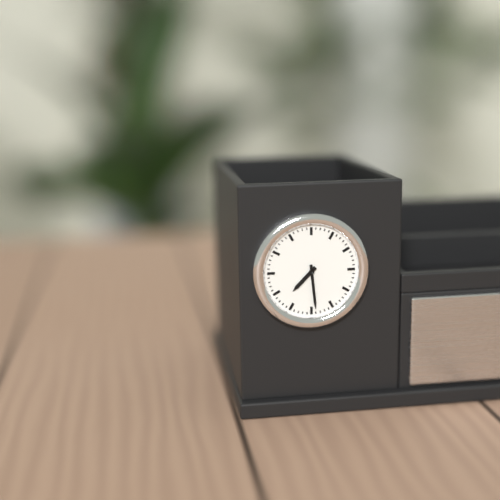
7h29
